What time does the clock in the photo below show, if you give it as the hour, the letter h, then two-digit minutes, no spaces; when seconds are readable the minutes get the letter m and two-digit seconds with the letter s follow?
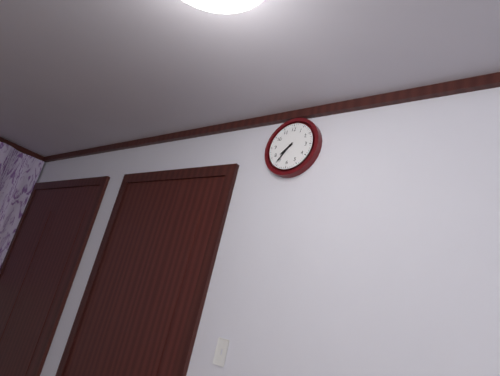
7h36
